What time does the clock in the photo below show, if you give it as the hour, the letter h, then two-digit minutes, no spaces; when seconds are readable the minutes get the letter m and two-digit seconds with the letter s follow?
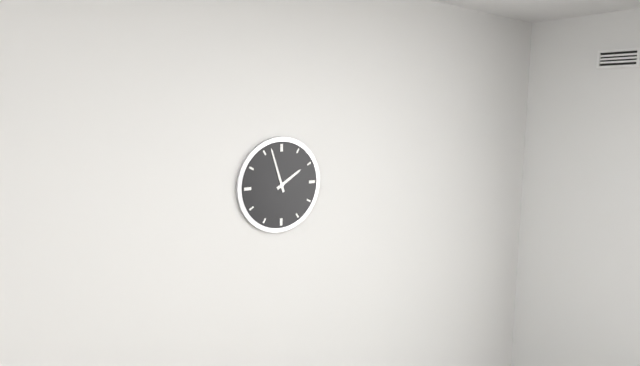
1h57
